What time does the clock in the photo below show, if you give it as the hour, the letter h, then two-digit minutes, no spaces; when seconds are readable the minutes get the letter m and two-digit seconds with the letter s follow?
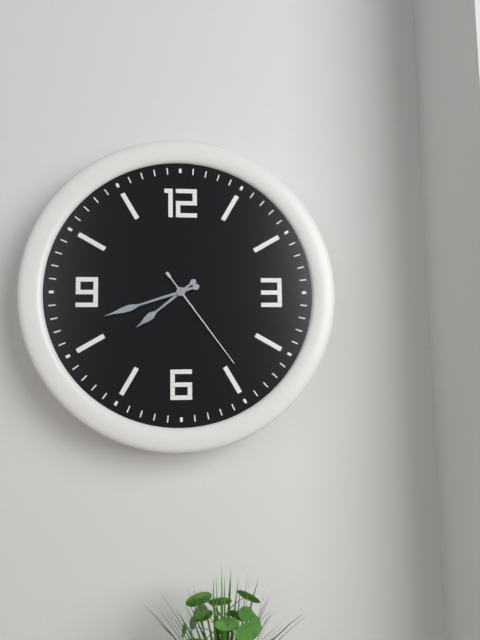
7h42m24s
